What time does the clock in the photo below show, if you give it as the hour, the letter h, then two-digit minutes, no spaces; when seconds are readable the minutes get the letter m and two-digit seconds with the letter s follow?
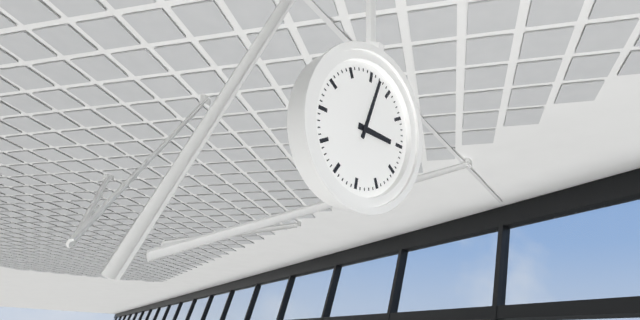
3h02
